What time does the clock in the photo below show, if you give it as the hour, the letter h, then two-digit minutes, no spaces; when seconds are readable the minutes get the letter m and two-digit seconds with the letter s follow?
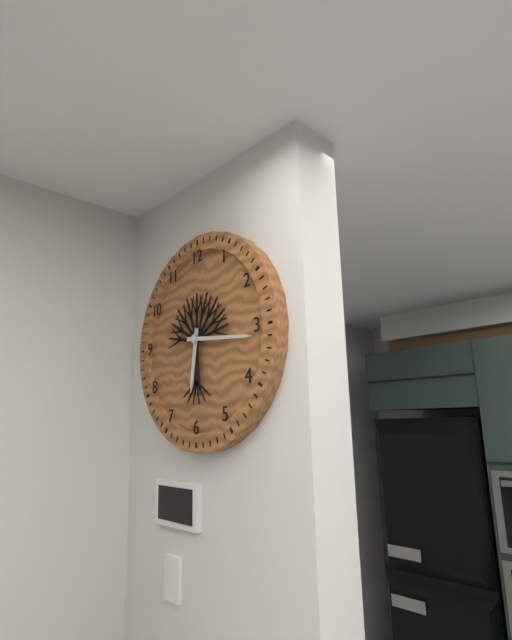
6h16
